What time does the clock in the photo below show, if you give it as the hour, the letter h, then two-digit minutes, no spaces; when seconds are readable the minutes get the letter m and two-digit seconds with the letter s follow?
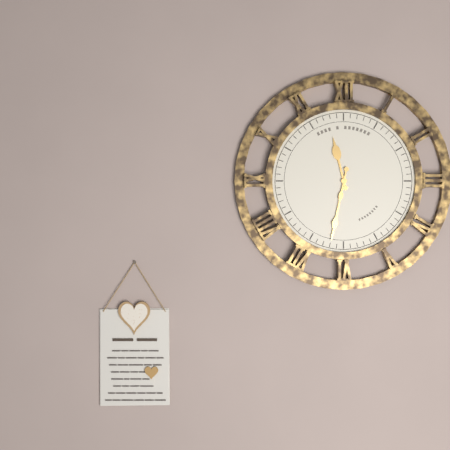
11h32
